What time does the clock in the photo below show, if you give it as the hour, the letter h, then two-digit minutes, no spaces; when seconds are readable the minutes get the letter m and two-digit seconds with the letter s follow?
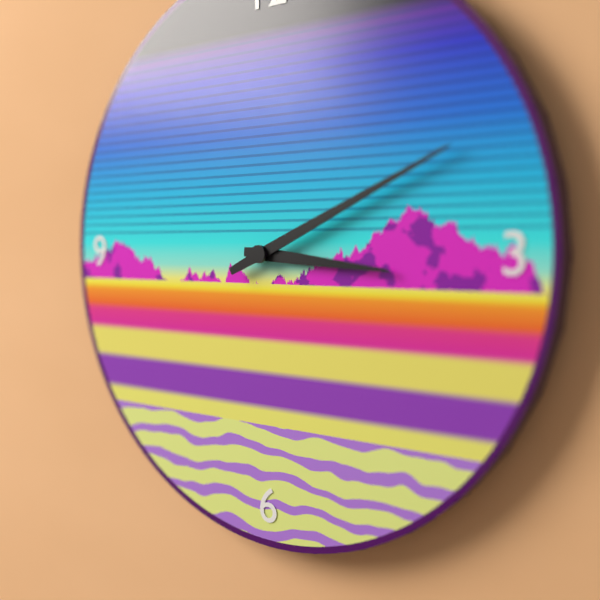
3h11
